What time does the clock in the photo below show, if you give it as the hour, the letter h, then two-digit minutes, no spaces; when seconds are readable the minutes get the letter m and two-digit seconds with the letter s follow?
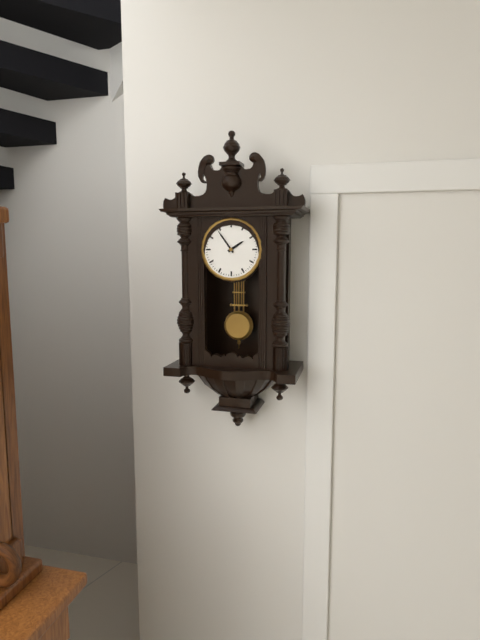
1h54
